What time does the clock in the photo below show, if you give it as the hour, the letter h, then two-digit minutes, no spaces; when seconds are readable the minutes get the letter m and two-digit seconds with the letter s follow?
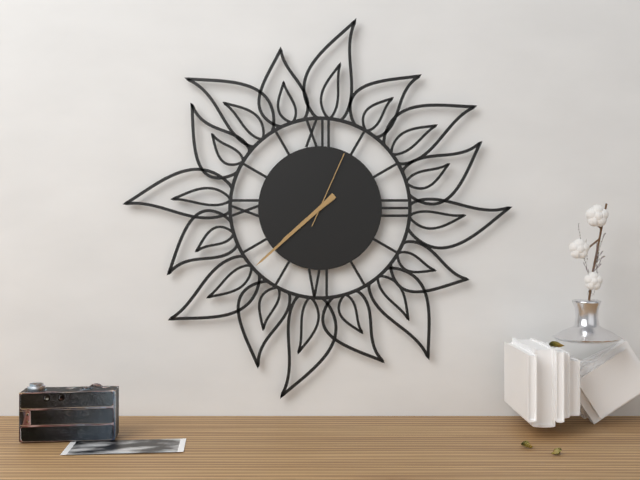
7h38m04s
